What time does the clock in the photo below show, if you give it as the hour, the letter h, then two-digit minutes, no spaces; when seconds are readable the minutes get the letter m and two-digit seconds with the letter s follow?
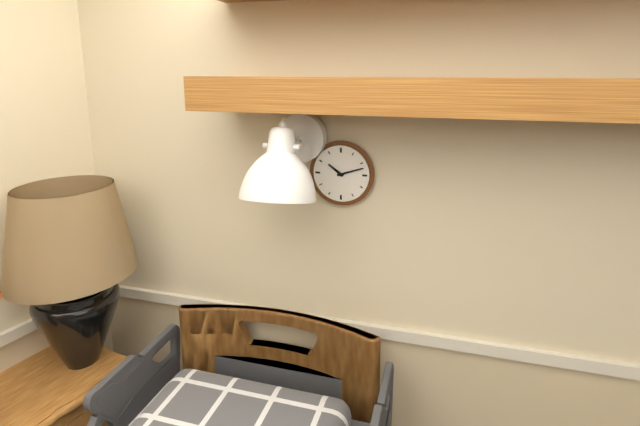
10h12
